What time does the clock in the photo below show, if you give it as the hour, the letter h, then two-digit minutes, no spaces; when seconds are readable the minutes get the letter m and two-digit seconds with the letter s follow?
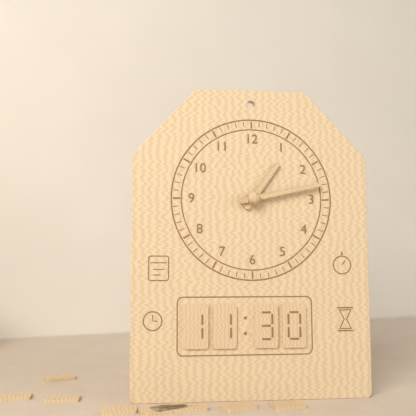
1h13
